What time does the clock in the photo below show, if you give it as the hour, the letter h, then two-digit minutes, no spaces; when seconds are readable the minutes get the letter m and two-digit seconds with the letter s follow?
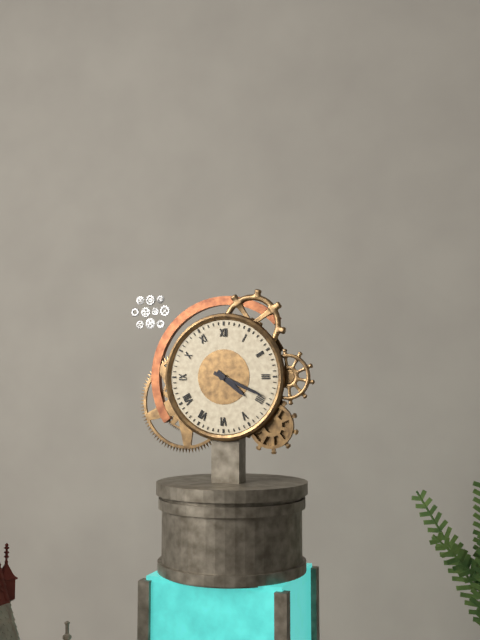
4h19
